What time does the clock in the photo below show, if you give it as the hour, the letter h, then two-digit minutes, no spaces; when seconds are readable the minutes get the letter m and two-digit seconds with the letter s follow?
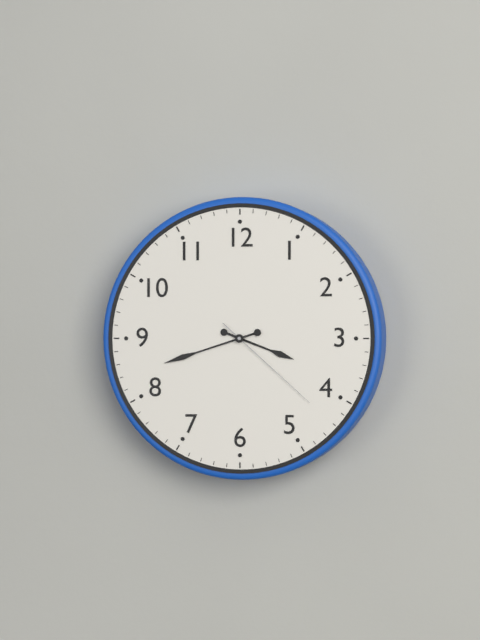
3h42m22s
